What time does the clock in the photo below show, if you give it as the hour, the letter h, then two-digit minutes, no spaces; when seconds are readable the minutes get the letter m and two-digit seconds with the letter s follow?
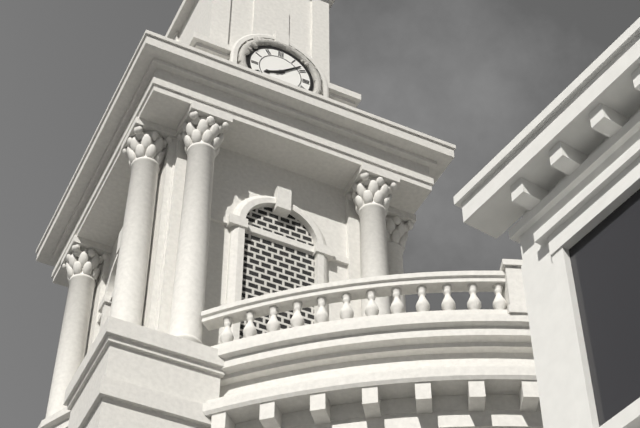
8h08
